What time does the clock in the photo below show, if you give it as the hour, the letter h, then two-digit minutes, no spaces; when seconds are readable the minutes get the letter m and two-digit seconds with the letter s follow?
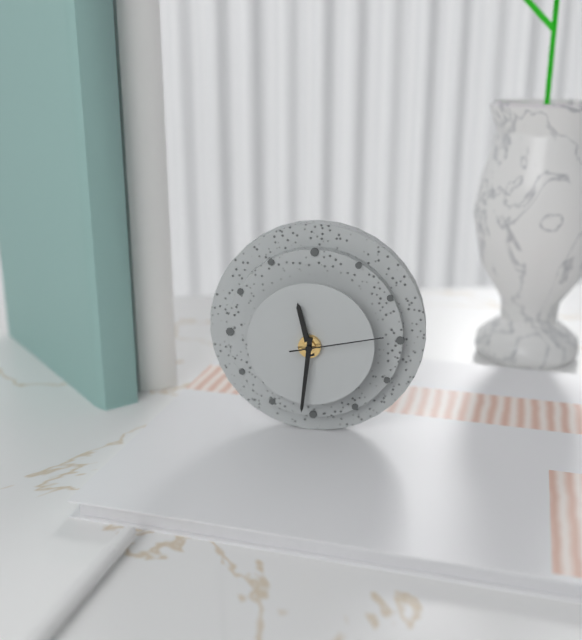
11h31m13s
